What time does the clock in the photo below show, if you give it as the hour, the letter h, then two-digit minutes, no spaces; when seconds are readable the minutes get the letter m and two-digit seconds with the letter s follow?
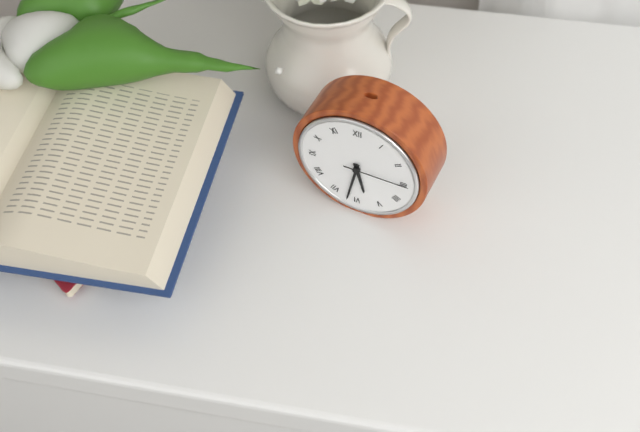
5h32m15s
